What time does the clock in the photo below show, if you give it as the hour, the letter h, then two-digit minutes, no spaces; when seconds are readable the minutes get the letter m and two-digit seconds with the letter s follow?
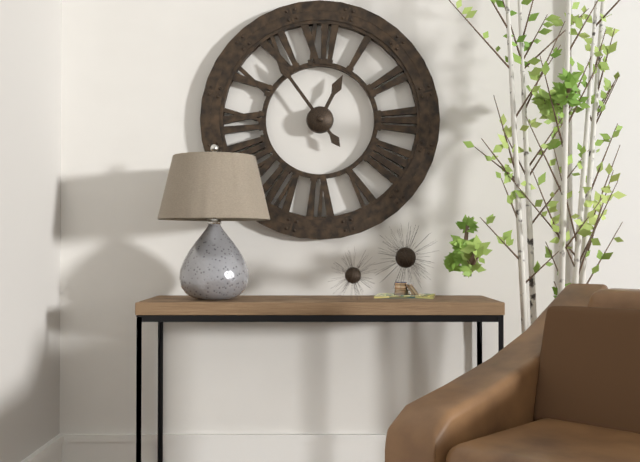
12h54
